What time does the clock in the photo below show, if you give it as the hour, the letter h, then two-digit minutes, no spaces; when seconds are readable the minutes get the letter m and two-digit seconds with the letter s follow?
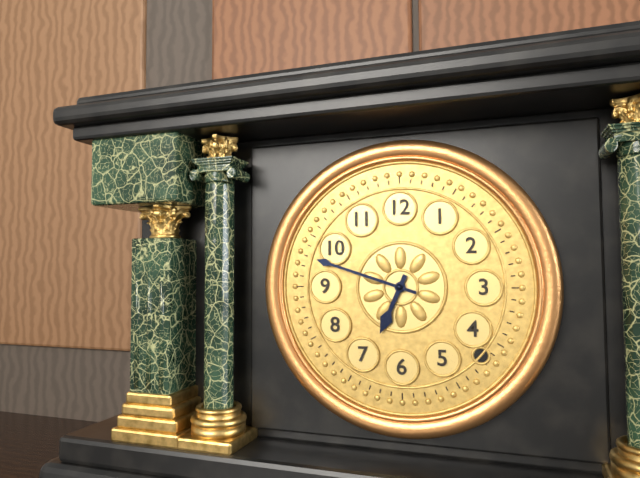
6h48
